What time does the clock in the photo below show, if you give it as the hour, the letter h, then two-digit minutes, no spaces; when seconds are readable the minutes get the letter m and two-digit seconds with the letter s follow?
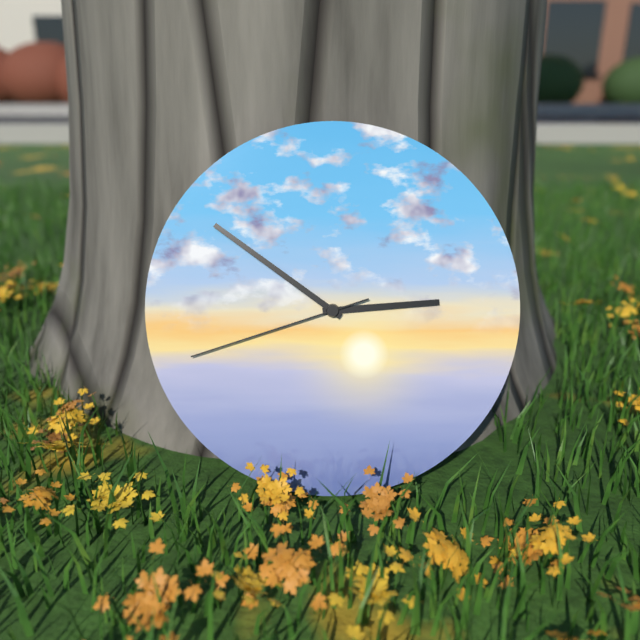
2h51m42s
